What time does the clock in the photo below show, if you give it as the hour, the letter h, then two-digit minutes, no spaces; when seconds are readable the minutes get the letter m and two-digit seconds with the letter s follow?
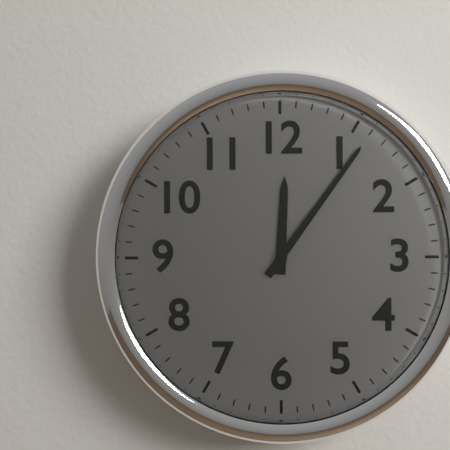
12h06
